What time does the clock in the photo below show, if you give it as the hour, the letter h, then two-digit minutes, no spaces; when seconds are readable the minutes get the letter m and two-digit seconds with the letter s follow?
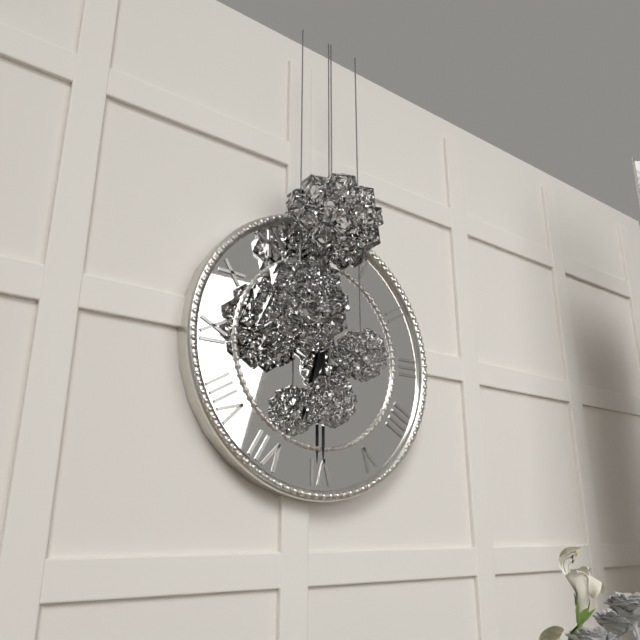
6h30
